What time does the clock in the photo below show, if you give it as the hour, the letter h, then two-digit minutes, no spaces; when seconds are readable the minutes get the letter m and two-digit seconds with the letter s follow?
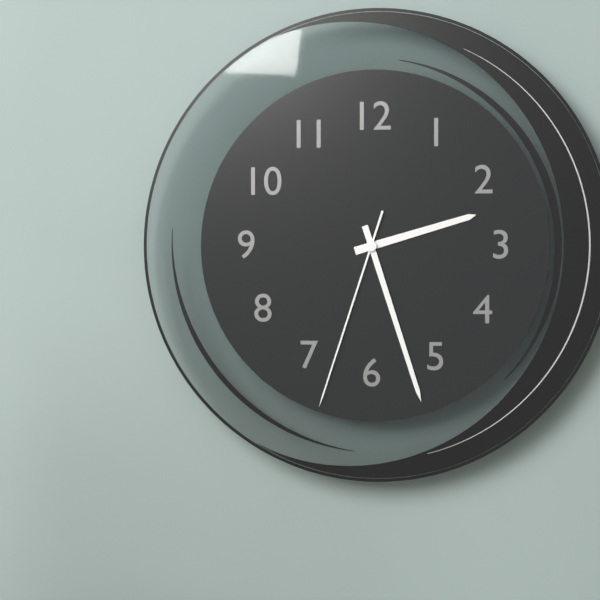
2h27m33s
